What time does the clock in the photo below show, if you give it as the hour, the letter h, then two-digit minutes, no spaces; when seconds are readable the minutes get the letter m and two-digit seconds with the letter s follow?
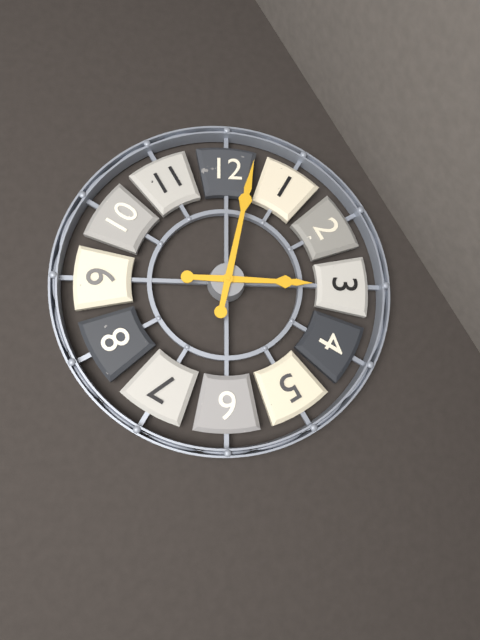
3h02
